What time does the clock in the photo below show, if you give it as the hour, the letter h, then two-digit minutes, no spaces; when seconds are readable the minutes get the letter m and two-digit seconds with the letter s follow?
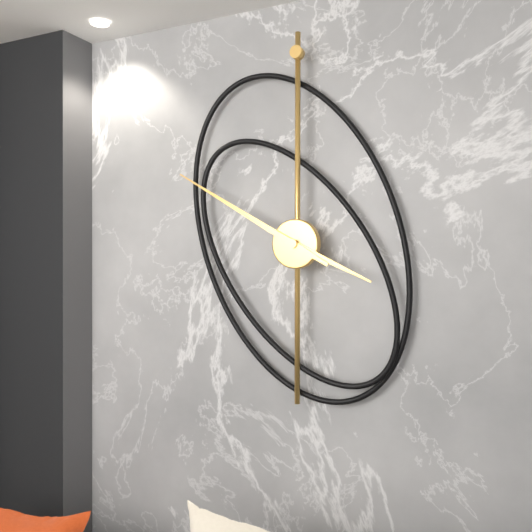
3h50
